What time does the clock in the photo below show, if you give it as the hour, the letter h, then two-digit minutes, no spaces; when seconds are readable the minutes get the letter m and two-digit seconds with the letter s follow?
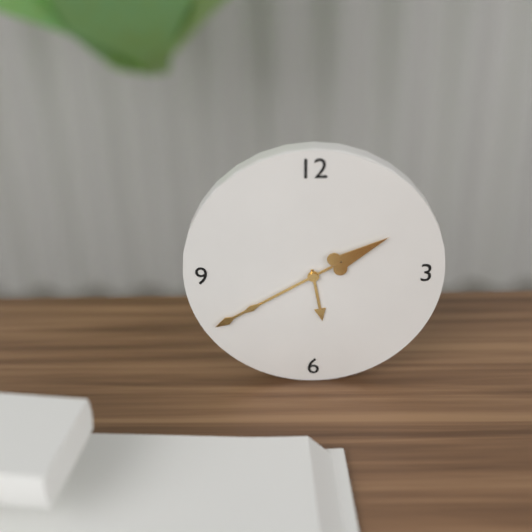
5h40
